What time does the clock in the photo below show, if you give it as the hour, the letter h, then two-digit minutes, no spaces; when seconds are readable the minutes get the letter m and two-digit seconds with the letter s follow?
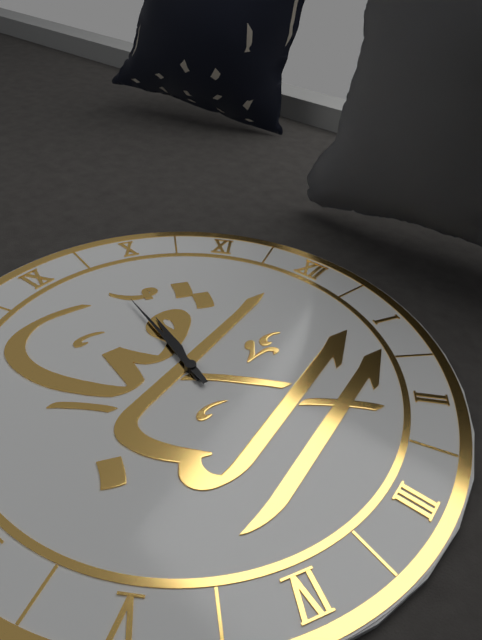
9h48
